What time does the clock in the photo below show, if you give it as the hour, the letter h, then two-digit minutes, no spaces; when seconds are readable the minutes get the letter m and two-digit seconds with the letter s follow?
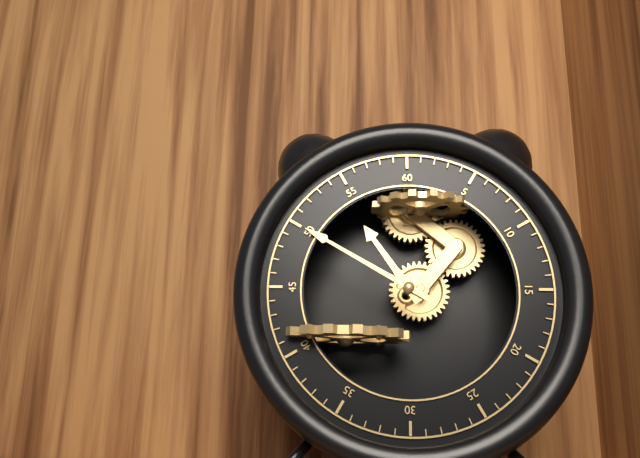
10h50
